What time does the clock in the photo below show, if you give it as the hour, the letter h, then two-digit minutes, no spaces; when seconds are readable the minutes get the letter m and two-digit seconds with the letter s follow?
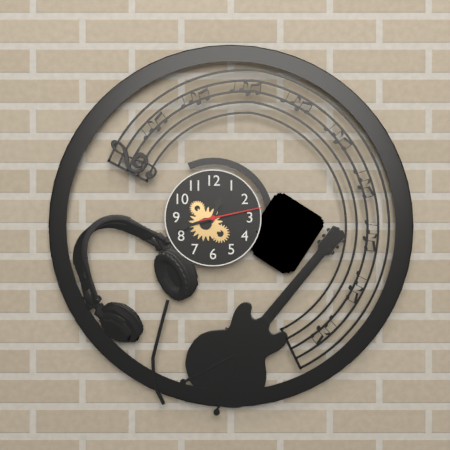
12h42m13s
